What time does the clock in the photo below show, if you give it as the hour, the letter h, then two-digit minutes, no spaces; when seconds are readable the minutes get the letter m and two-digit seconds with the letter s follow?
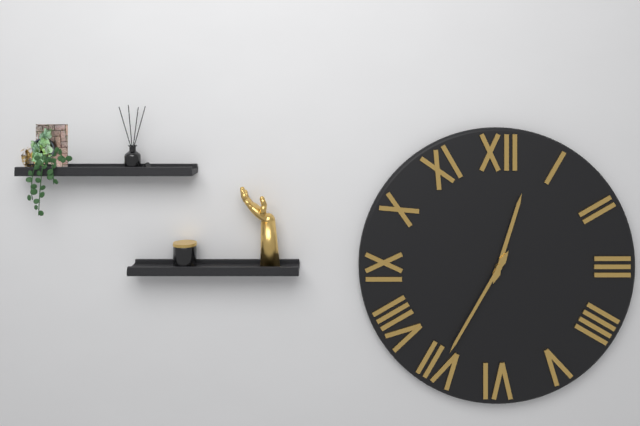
12h35
